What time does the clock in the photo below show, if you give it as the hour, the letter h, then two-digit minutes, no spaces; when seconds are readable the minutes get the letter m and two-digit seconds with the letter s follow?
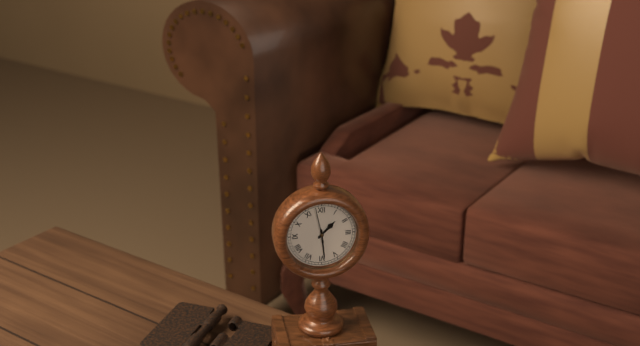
1h29
